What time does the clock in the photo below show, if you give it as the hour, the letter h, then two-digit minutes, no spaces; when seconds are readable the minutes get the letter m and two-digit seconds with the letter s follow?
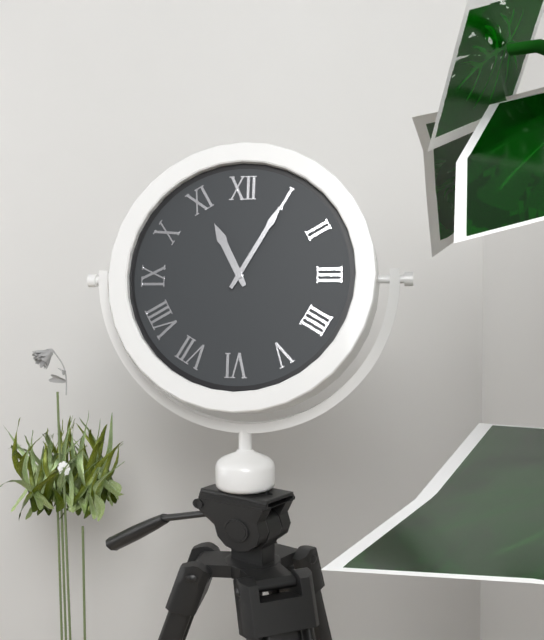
11h05
